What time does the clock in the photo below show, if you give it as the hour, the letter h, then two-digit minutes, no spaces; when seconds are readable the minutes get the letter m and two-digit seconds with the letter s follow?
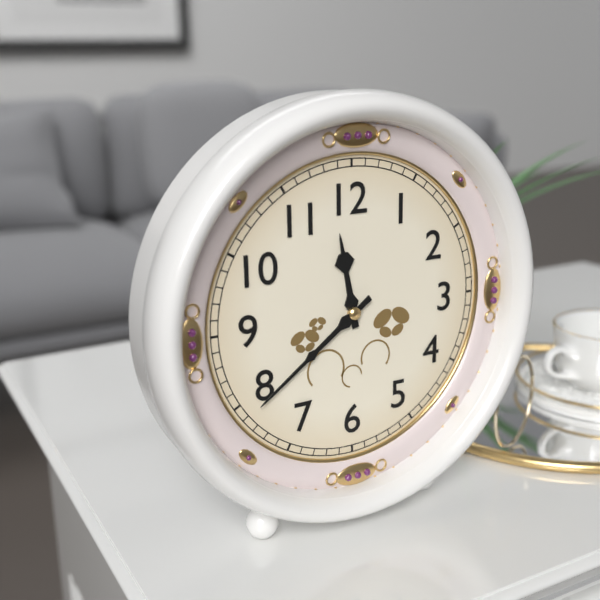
11h39
